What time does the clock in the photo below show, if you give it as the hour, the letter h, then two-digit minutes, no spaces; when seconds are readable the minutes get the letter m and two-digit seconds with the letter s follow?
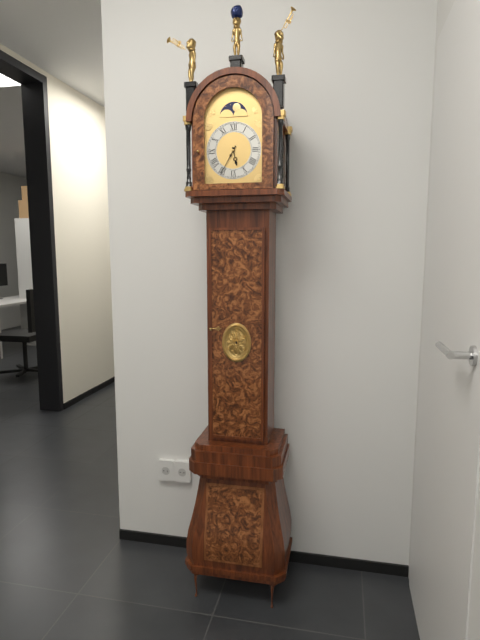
5h35
